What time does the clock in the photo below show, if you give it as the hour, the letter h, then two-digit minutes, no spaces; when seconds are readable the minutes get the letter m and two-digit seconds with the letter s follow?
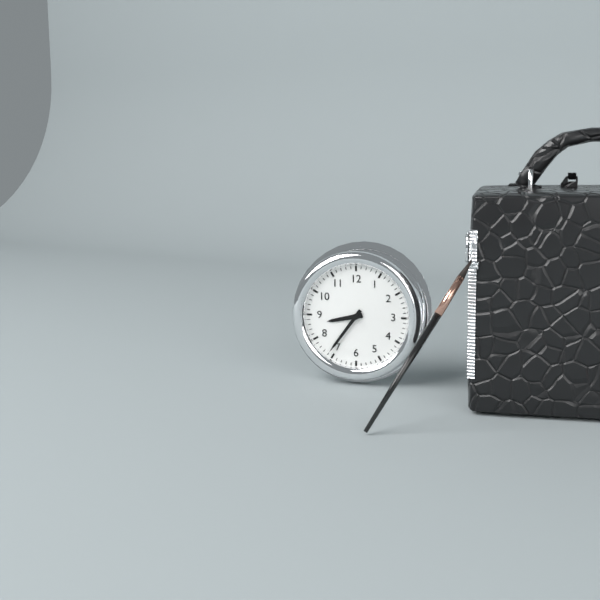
8h36
